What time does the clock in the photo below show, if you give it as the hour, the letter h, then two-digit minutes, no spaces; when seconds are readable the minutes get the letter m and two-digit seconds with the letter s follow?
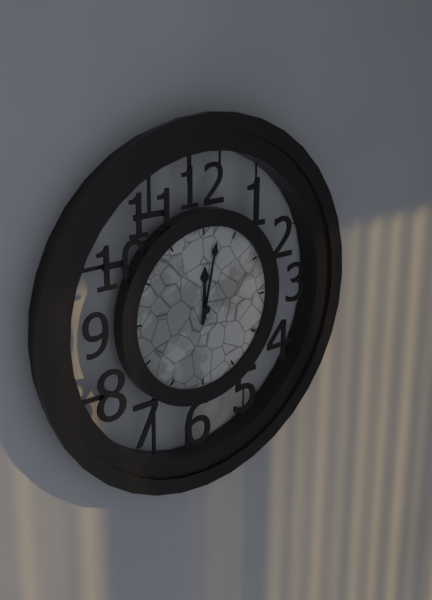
12h02
